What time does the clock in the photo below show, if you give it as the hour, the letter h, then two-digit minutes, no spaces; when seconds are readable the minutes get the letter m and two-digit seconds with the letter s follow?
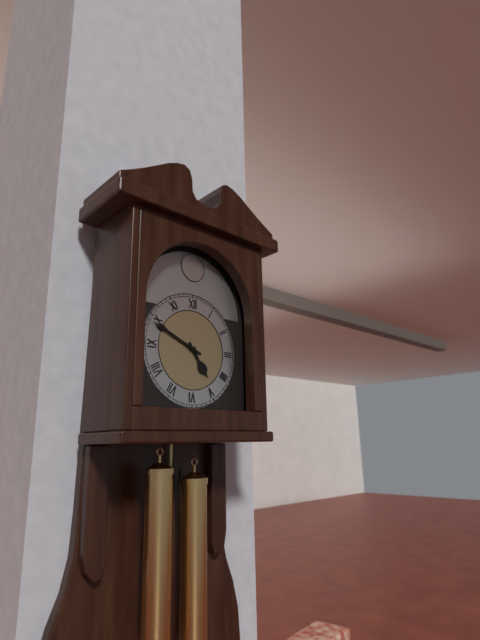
4h49
